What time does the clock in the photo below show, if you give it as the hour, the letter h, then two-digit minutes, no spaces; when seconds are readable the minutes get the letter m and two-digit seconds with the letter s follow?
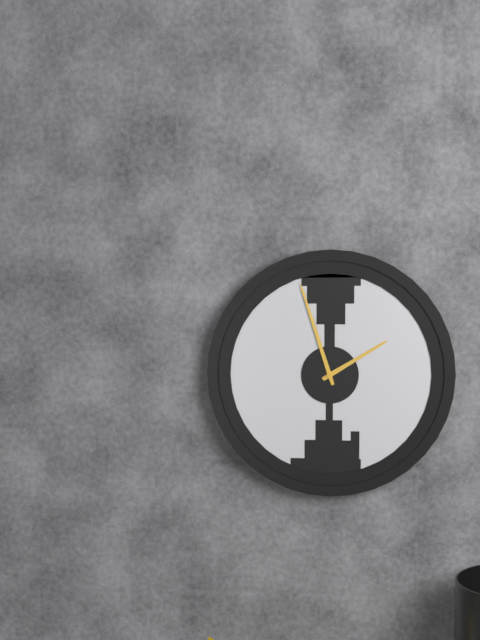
1h57
